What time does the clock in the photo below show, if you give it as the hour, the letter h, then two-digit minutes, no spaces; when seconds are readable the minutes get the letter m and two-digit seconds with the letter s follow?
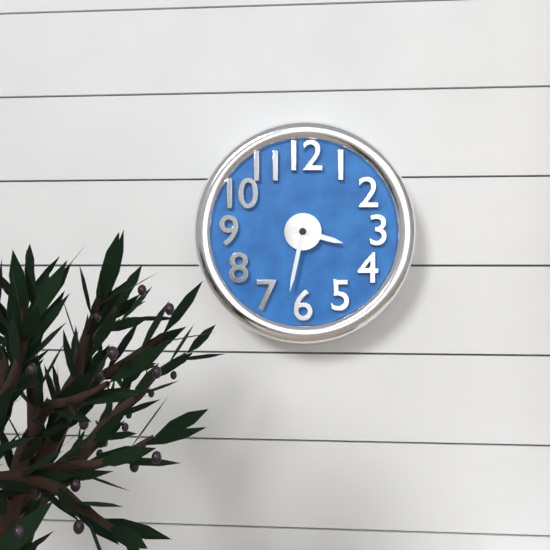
3h32
